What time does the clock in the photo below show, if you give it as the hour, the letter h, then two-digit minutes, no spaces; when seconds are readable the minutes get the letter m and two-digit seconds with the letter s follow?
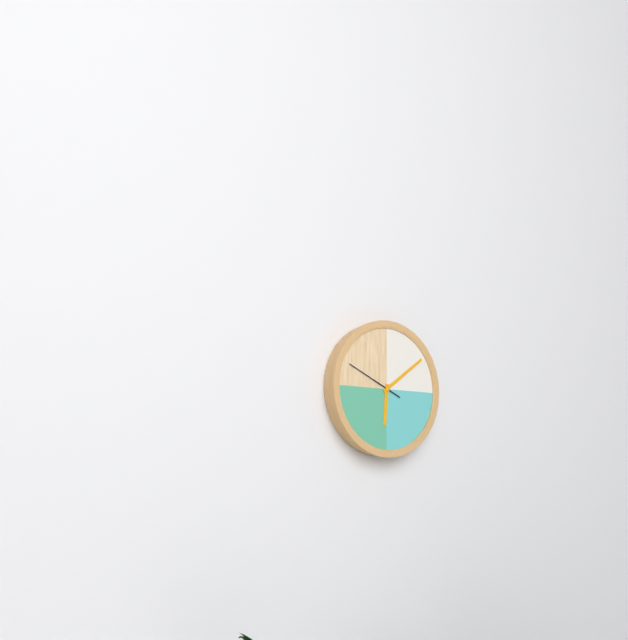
6h09m49s
